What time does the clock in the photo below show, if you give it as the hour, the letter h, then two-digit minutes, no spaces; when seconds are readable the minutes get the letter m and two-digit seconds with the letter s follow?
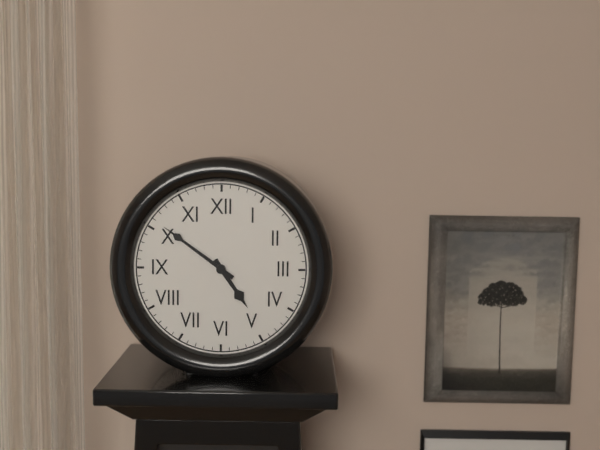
4h51
